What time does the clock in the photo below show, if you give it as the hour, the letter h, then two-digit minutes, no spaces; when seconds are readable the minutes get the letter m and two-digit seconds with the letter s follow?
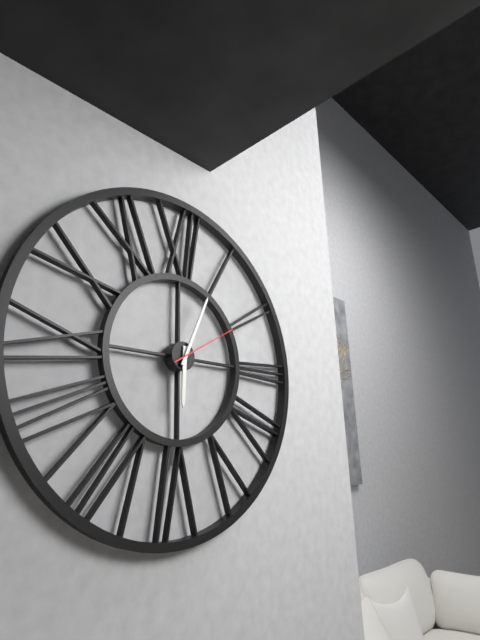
6h04m10s
